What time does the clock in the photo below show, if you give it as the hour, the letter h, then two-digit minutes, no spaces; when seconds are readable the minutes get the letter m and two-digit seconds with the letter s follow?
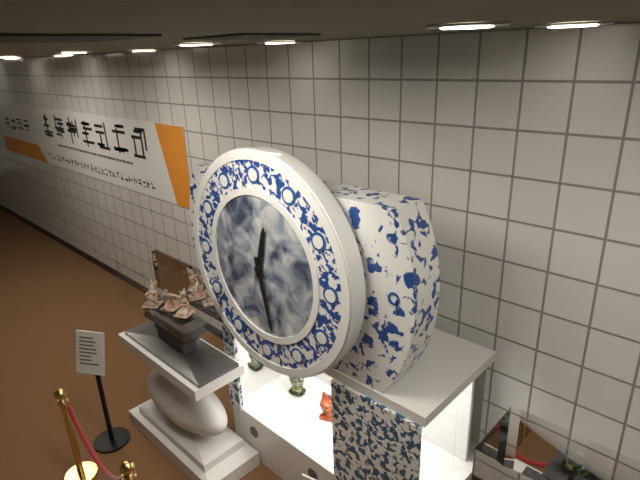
12h28
